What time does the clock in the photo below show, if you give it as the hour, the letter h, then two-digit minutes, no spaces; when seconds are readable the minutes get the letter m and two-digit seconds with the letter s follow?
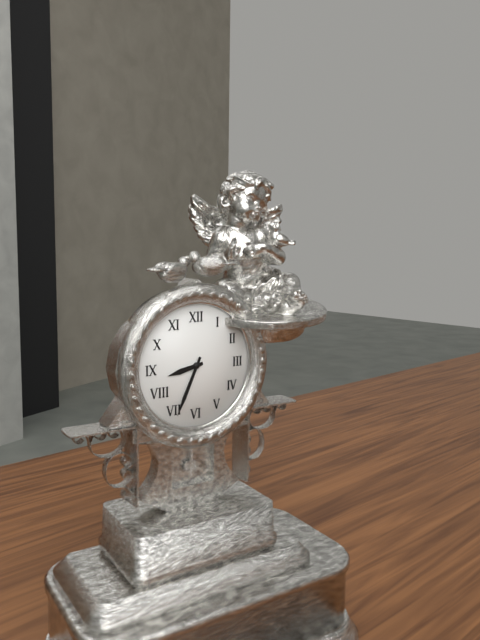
8h34
